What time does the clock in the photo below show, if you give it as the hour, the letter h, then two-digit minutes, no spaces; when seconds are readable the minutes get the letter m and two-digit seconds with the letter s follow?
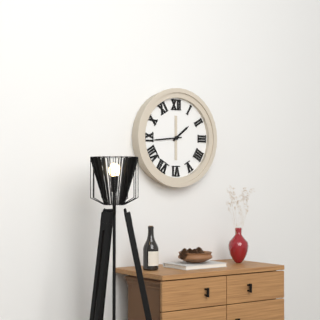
1h44
